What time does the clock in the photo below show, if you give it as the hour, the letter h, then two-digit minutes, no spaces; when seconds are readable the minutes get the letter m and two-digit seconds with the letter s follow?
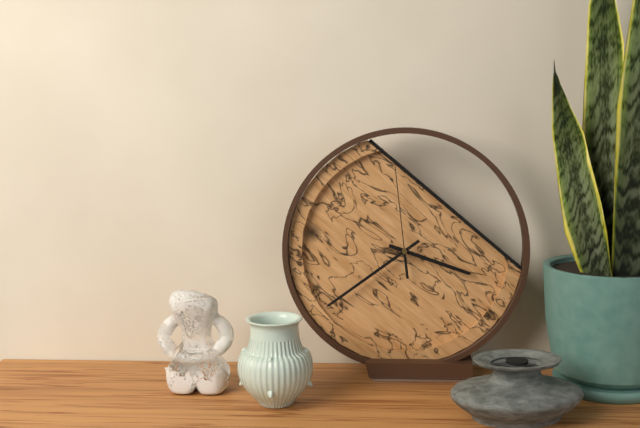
3h39m59s
